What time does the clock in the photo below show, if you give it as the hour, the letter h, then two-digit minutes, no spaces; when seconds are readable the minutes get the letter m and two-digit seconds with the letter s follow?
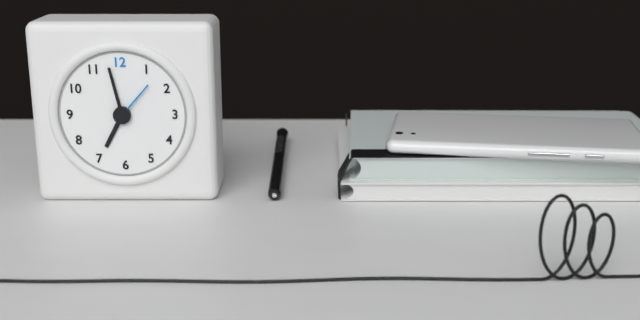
6h58m07s
